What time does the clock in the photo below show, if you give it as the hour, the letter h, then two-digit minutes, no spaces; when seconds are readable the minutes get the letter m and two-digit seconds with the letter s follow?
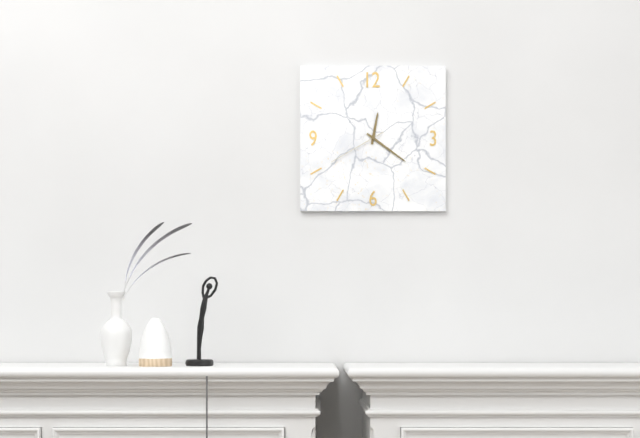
12h21m40s
